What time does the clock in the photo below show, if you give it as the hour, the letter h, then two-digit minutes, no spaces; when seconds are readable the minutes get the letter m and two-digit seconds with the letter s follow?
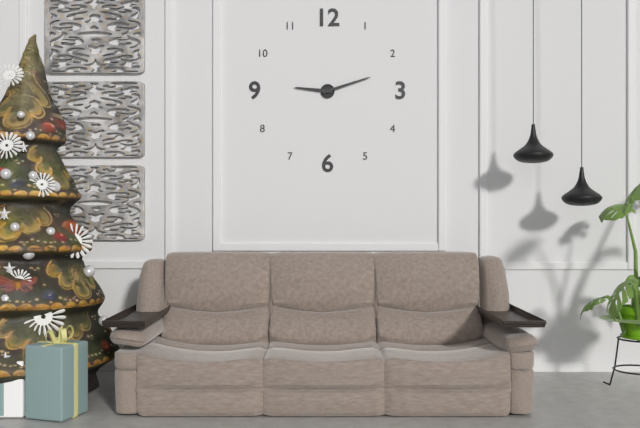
9h12
